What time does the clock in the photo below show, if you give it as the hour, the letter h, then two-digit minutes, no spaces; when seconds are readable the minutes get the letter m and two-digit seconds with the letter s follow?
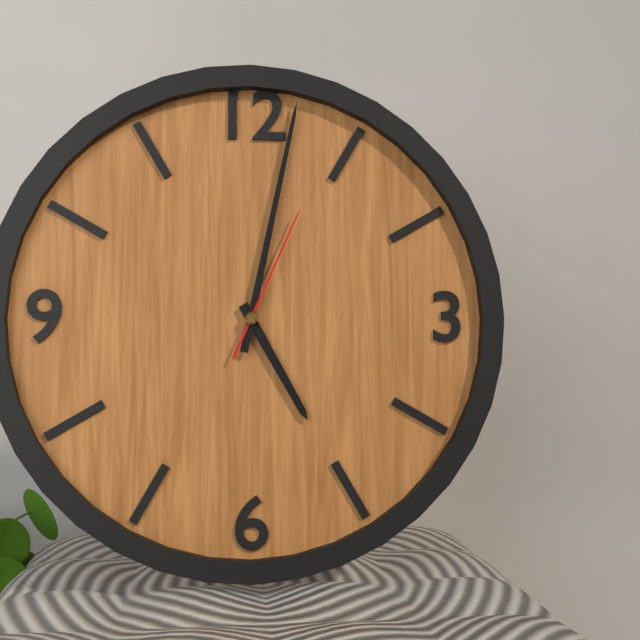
5h02m04s
